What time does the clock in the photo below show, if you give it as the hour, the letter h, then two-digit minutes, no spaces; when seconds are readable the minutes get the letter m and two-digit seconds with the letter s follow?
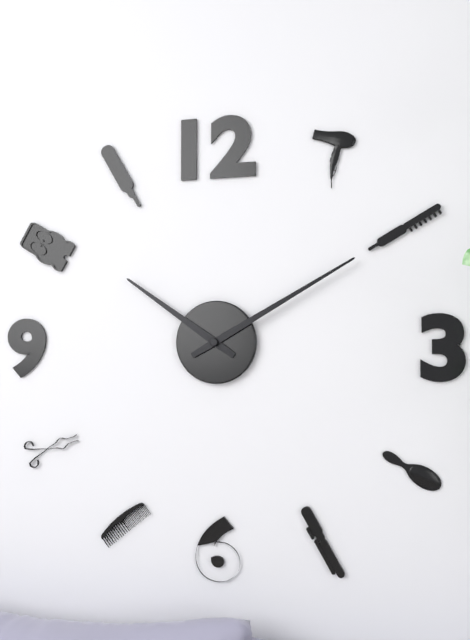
10h10
